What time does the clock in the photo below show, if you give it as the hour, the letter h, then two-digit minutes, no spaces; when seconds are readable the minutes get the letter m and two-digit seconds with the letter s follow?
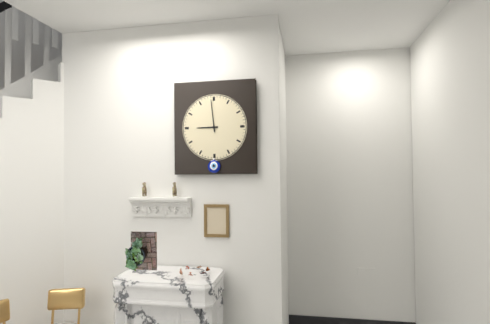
8h59
